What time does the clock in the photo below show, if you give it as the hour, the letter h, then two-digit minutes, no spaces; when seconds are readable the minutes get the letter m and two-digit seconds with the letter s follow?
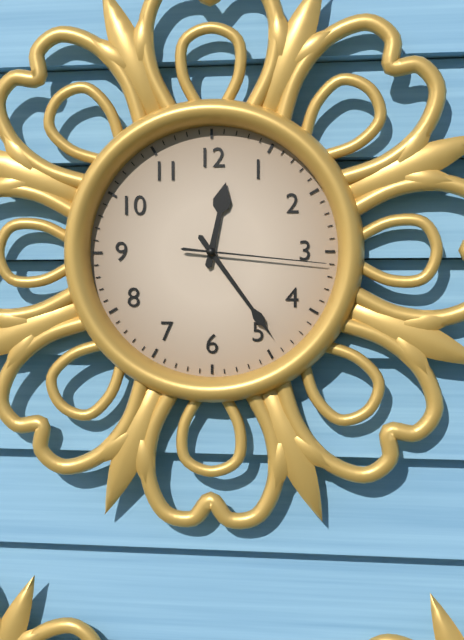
12h24m16s
